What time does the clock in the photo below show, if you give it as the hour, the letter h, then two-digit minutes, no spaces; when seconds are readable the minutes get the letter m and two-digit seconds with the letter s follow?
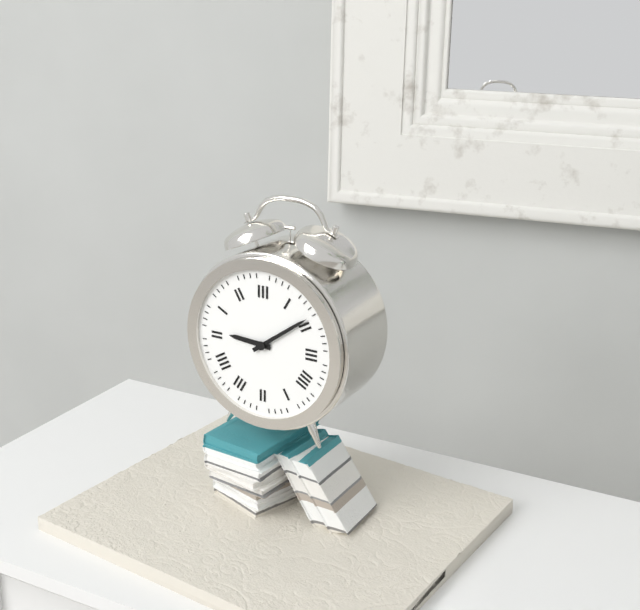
9h09
